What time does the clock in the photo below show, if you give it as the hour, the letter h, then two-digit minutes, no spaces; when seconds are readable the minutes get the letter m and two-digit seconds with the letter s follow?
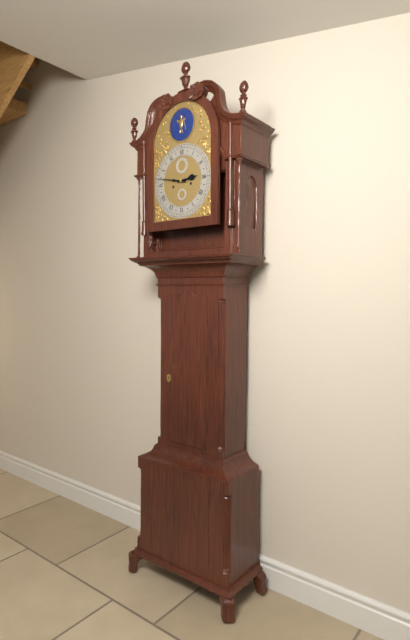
2h47
